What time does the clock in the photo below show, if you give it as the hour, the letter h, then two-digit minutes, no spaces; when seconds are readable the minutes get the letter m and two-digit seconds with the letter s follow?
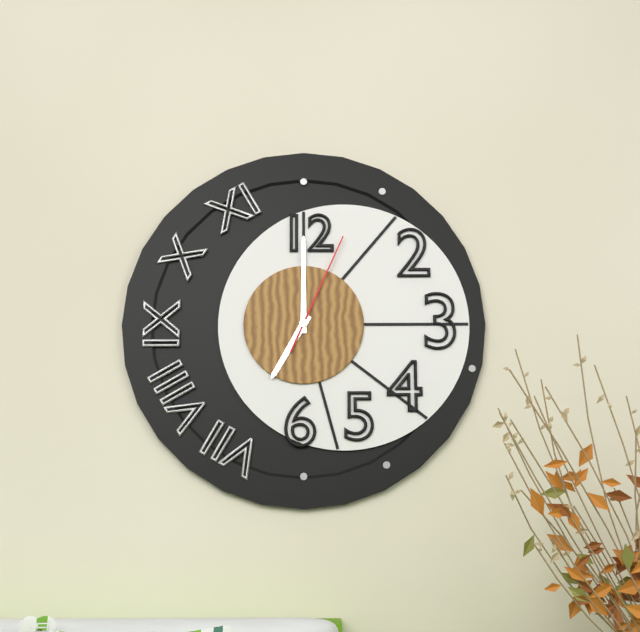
7h00m04s
